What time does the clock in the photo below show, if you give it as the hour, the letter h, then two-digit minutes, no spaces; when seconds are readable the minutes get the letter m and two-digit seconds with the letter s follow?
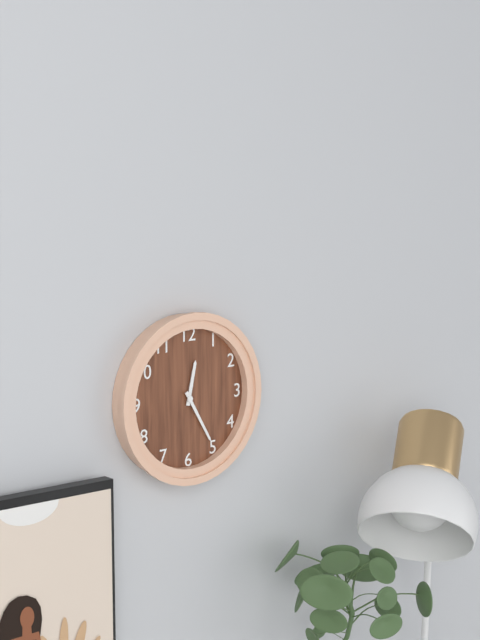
12h25
